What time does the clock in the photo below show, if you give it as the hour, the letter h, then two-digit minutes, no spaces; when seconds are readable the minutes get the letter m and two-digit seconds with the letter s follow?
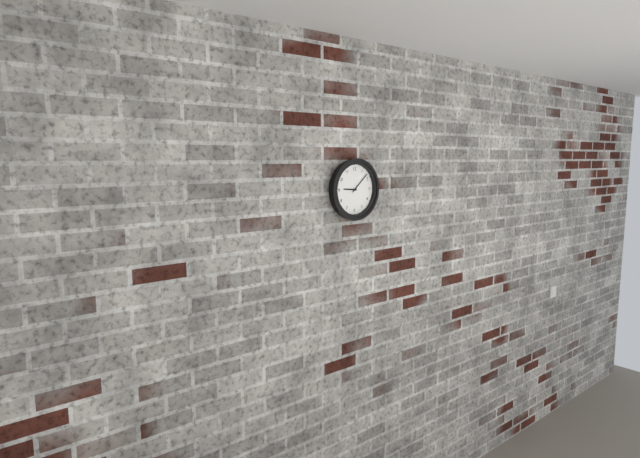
9h08
